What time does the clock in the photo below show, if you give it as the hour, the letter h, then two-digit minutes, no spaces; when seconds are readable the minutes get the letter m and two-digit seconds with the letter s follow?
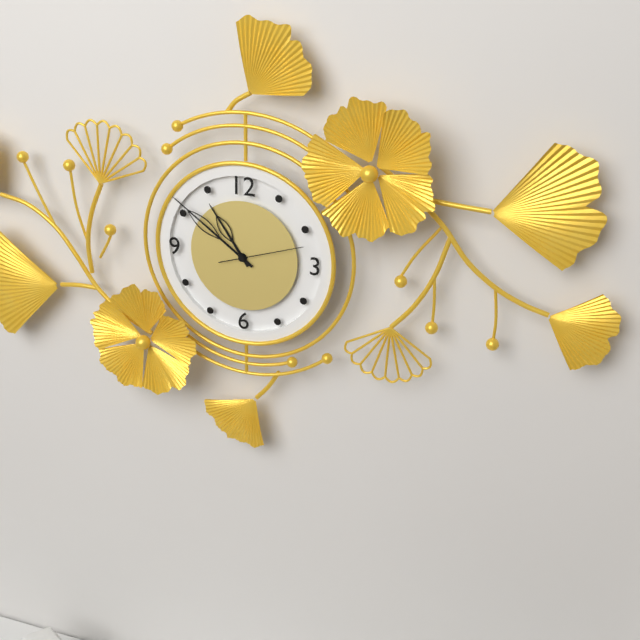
10h51m12s
